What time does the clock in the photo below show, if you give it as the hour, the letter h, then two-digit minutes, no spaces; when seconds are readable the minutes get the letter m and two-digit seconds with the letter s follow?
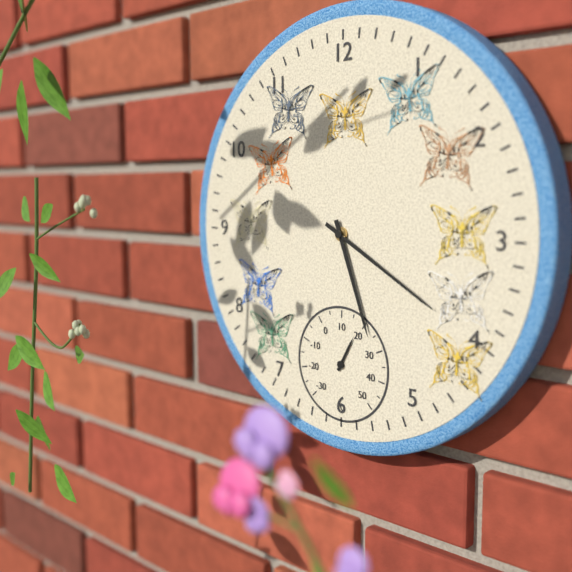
5h20
